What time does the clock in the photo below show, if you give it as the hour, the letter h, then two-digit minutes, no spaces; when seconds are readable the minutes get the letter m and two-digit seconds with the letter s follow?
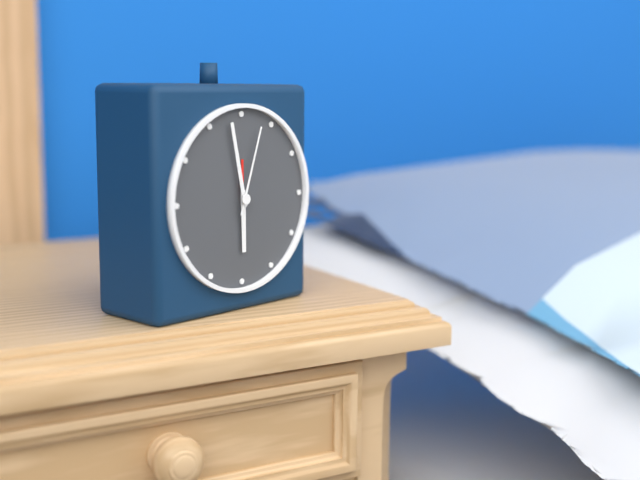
5h58m03s
